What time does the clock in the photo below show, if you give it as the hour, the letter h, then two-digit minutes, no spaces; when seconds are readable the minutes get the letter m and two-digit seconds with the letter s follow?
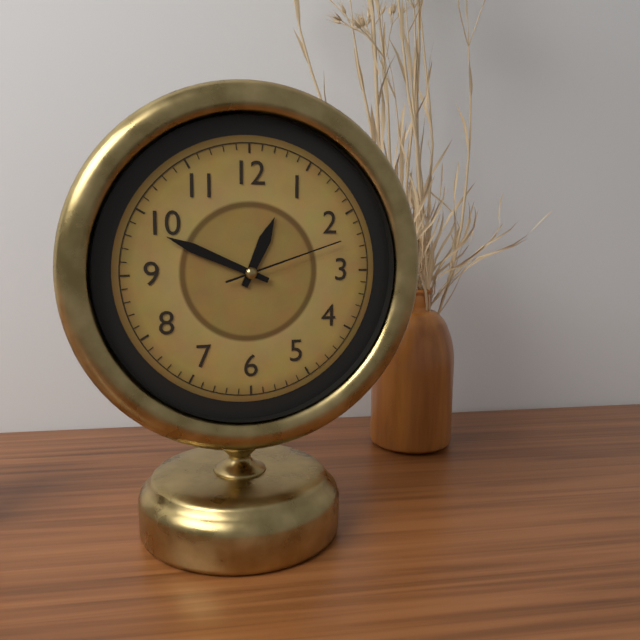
12h49m12s
